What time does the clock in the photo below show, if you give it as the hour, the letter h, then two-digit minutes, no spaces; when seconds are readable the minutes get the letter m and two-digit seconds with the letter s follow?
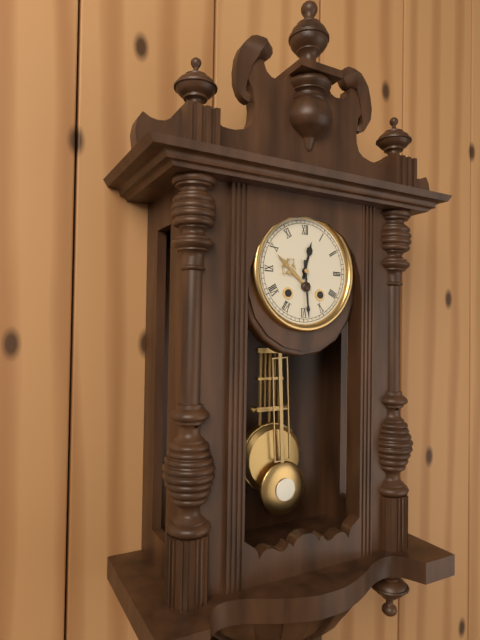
12h29
